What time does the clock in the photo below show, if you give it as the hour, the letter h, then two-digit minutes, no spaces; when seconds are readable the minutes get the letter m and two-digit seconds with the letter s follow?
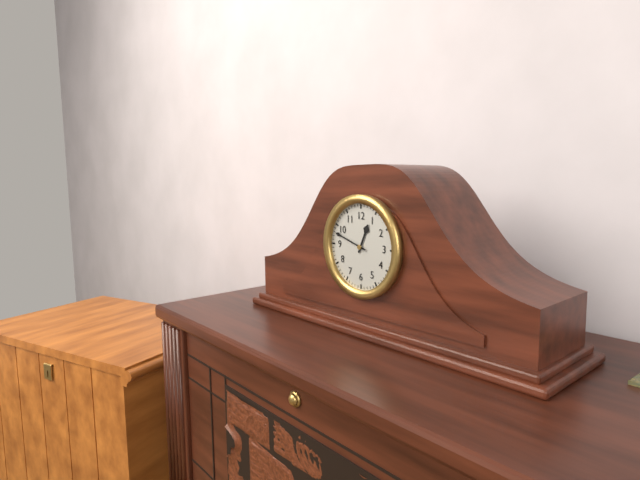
12h48
